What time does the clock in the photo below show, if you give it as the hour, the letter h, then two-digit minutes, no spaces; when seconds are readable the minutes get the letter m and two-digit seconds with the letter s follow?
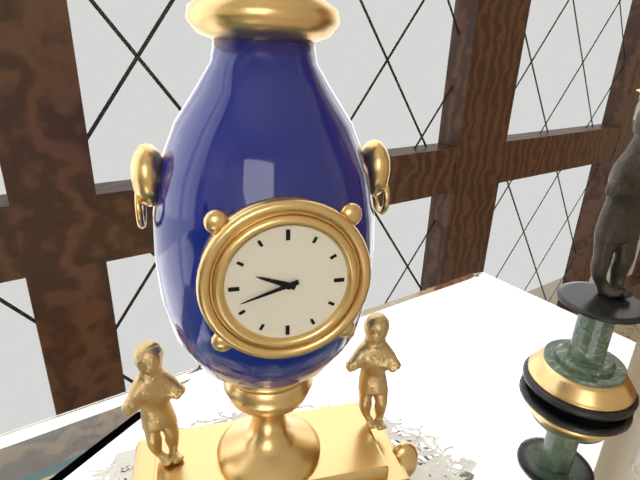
9h42
